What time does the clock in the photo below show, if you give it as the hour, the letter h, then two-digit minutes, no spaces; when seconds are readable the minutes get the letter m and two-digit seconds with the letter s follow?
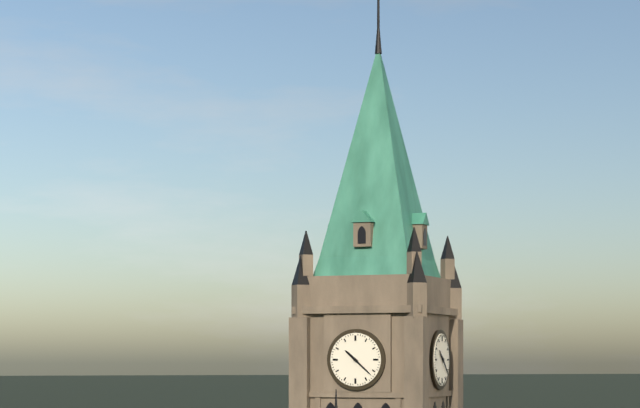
10h22
